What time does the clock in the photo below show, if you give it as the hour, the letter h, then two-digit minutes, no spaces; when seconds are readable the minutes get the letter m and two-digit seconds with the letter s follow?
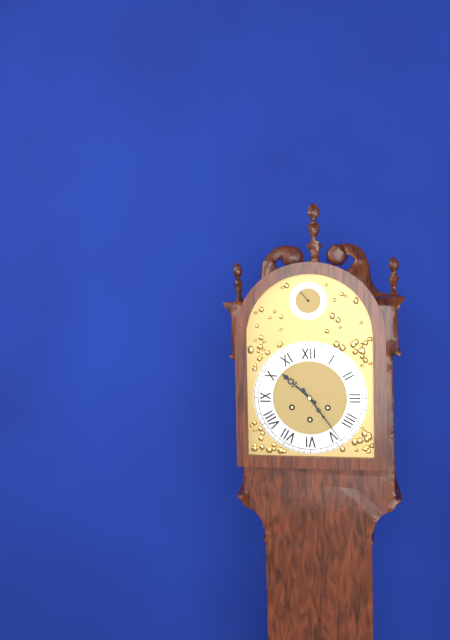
10h24
